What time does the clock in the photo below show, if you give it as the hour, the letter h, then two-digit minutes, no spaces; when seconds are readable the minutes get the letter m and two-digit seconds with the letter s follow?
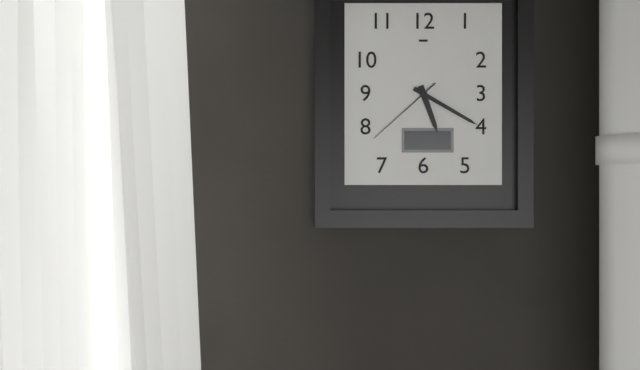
5h20m38s
